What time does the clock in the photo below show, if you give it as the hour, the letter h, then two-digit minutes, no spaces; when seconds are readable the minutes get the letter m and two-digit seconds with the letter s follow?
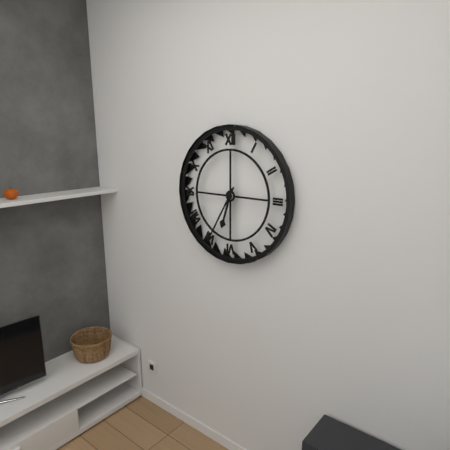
6h35
